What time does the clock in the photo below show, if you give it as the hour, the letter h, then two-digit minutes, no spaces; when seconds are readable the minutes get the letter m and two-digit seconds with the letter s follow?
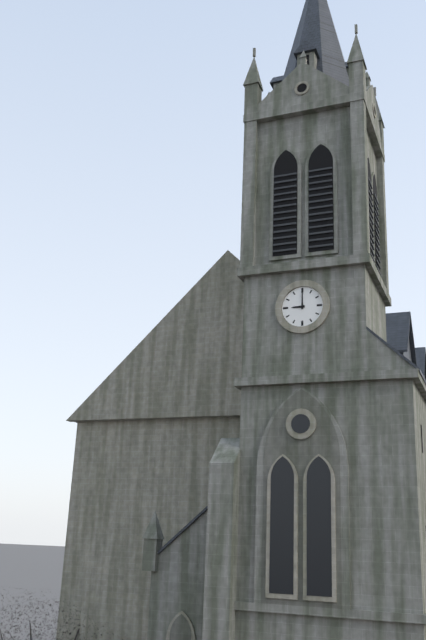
9h00
